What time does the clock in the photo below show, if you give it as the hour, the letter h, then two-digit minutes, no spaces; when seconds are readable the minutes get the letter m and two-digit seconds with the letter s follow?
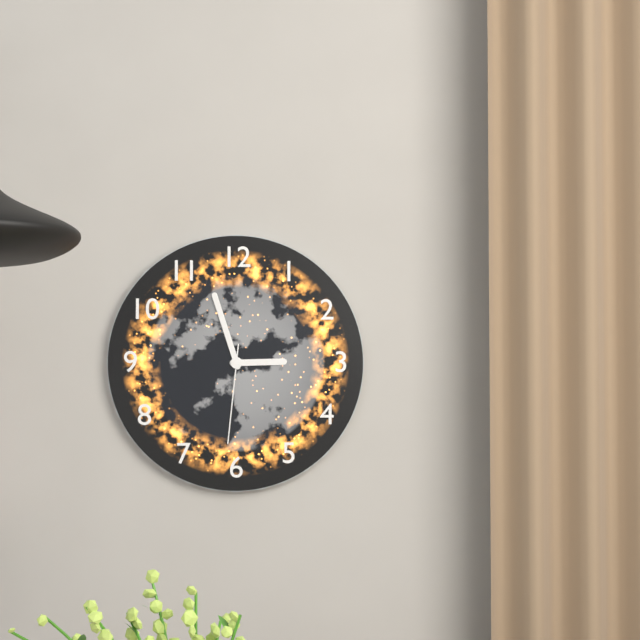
2h57m31s
